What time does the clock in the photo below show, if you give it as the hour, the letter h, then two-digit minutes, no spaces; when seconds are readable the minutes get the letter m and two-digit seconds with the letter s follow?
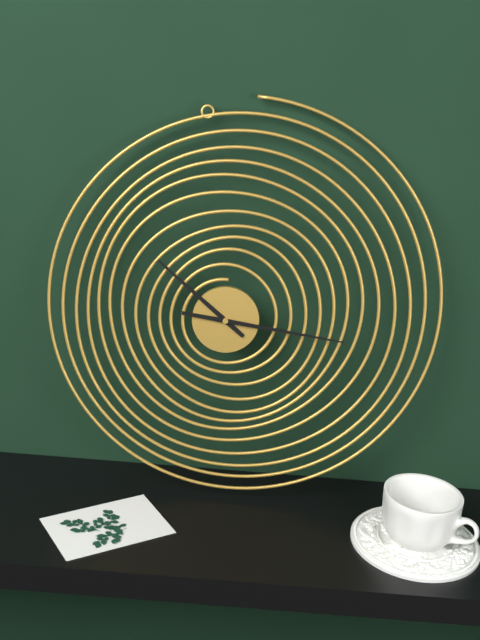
10h16
